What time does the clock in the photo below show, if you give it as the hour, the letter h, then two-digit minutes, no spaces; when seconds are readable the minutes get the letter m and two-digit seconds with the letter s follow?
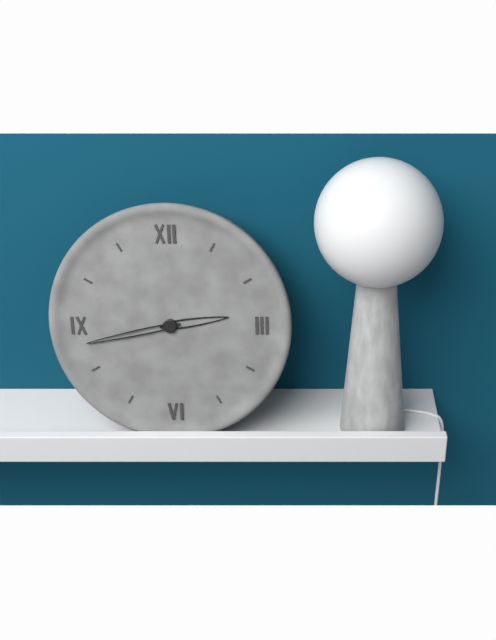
2h43
